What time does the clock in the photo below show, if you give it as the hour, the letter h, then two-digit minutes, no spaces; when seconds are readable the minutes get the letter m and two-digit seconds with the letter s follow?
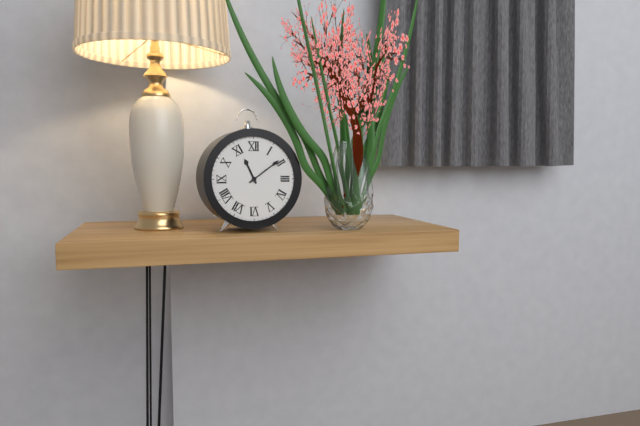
11h09
